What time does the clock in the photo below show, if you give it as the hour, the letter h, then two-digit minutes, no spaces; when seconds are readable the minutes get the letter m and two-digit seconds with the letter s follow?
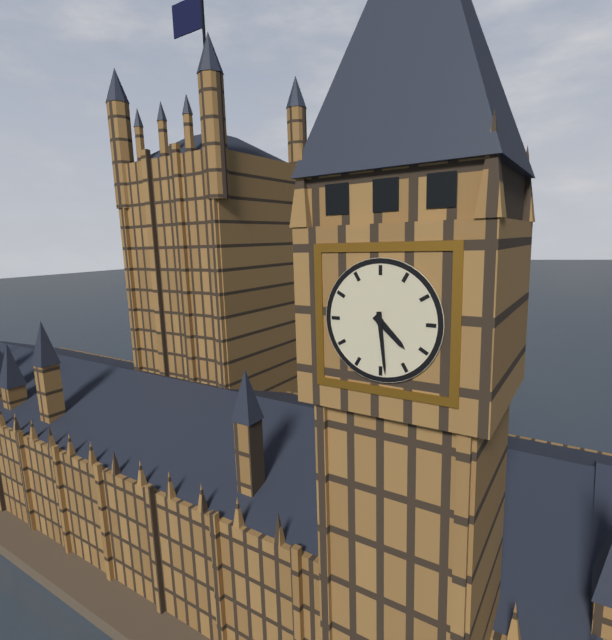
4h29
